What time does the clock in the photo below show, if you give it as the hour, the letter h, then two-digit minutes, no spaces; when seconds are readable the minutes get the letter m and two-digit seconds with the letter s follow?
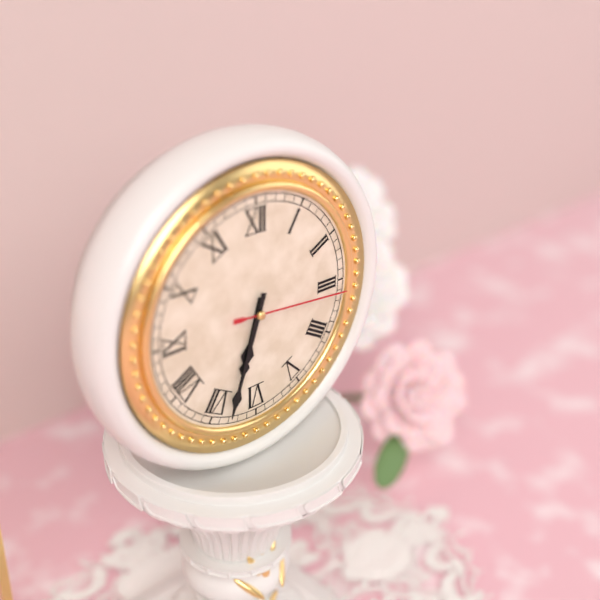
6h33m16s
